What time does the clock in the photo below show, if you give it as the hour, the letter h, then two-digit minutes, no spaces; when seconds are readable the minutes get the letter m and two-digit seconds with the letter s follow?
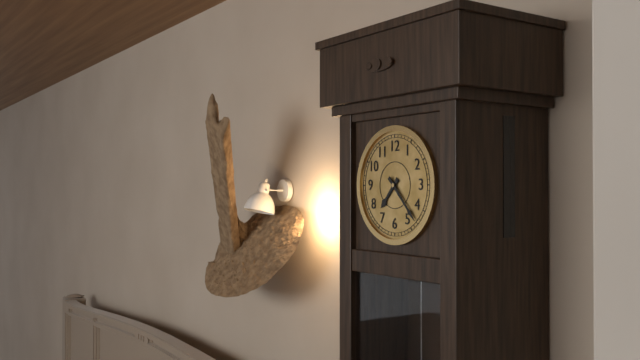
7h23
